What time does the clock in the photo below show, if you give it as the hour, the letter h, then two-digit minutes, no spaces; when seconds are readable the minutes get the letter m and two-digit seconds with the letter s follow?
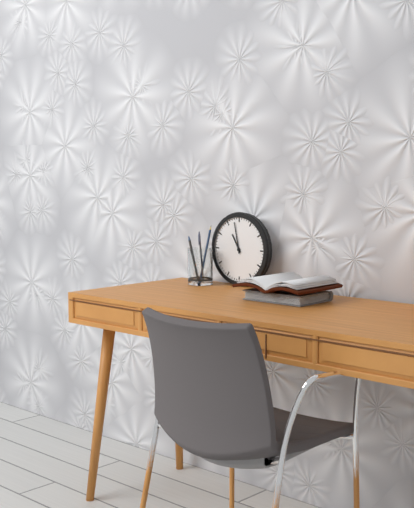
10h58
